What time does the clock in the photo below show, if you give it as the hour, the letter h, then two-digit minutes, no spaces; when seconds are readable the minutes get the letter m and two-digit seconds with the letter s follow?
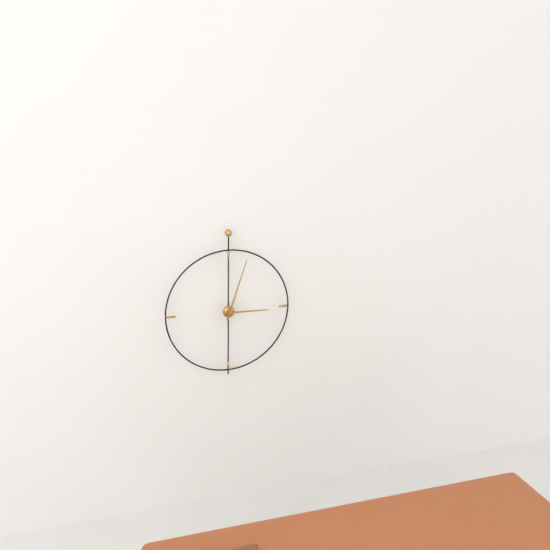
3h03
